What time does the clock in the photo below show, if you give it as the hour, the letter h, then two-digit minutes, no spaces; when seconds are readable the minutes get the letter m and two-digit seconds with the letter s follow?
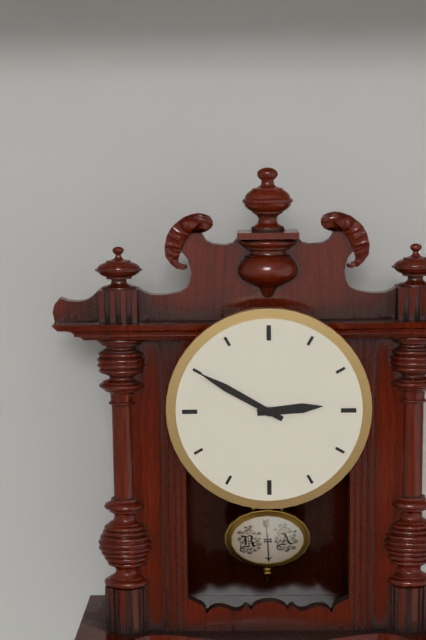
2h50
